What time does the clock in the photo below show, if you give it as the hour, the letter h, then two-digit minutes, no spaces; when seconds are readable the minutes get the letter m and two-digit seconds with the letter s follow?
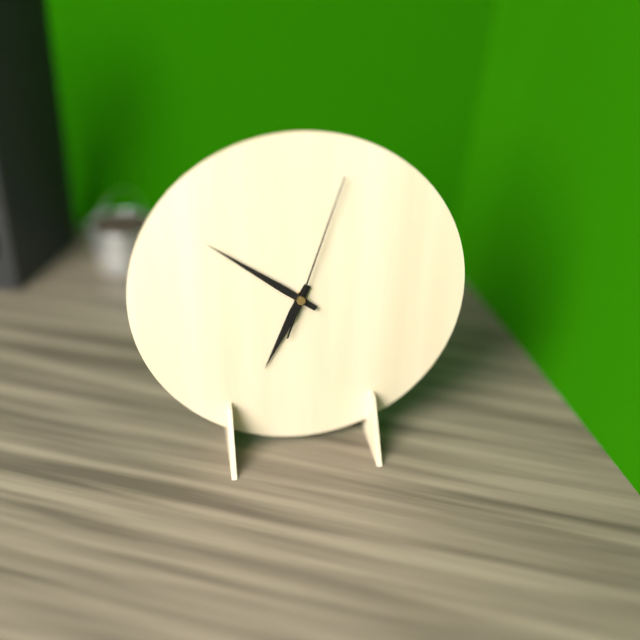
6h51m03s
